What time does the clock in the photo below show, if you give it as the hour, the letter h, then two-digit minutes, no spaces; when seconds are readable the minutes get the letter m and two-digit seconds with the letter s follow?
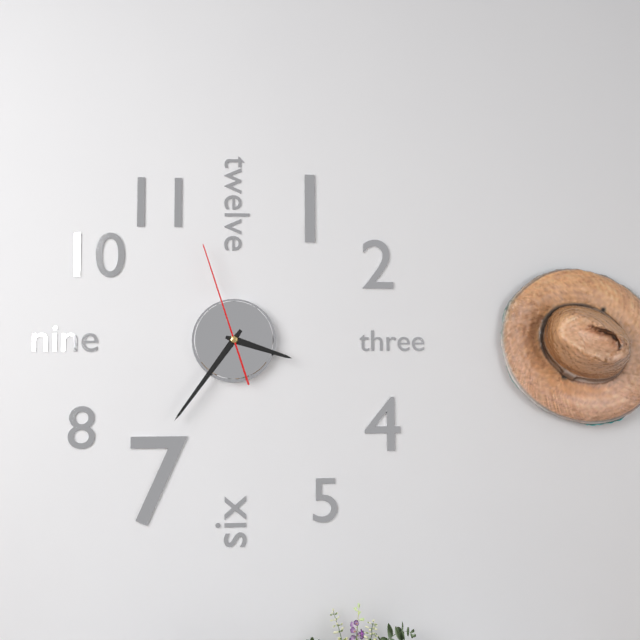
3h36m57s
